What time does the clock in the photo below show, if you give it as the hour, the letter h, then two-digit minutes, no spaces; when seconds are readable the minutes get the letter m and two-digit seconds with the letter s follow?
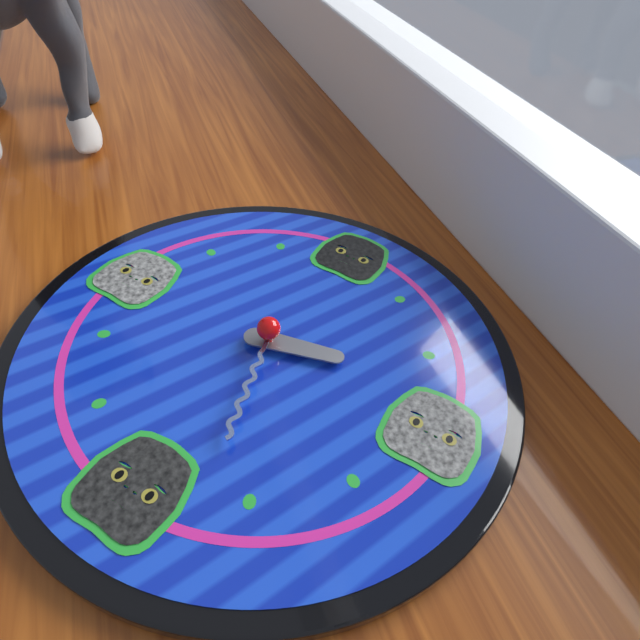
2h27
